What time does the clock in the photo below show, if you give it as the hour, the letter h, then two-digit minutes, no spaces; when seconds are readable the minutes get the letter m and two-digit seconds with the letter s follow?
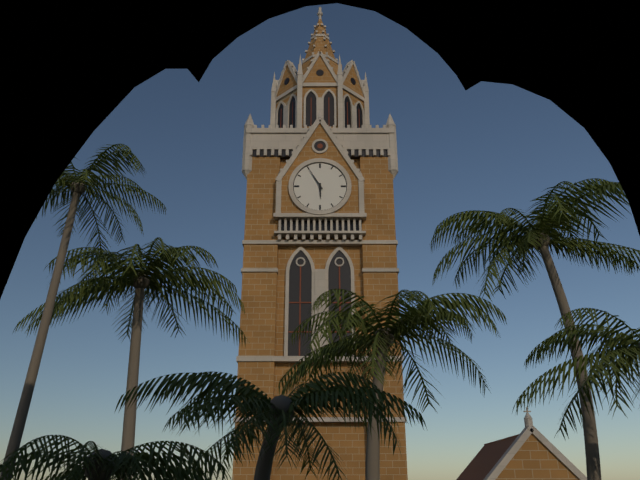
5h55
